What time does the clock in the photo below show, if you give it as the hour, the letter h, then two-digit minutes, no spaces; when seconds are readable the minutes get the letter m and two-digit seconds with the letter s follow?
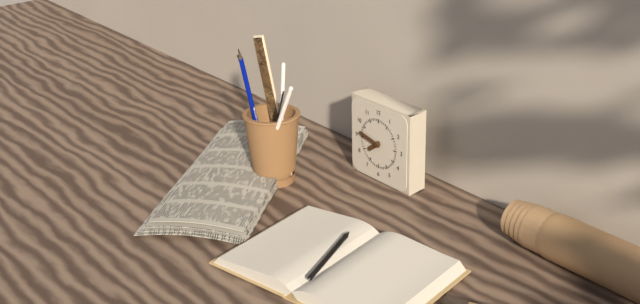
7h47
